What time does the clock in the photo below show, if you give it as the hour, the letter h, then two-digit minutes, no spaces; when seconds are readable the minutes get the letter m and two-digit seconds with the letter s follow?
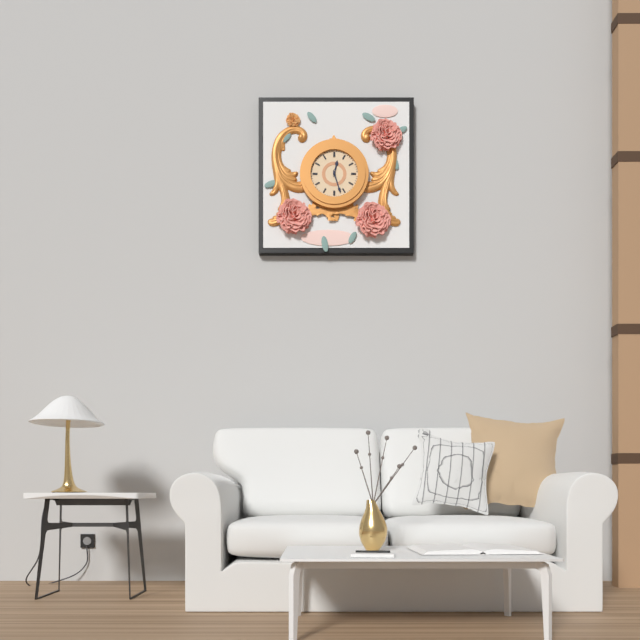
12h27
